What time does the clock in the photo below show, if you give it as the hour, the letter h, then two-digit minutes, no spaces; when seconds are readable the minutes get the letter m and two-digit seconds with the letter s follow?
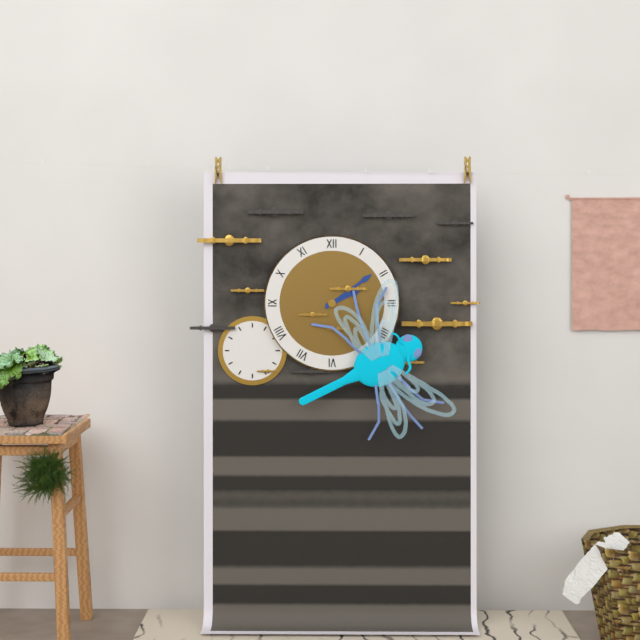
2h09
